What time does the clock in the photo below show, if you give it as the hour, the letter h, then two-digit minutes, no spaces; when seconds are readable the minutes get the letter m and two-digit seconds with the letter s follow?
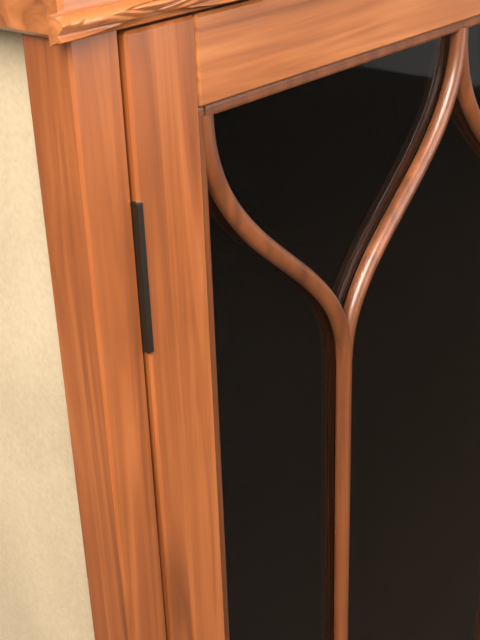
8h22
